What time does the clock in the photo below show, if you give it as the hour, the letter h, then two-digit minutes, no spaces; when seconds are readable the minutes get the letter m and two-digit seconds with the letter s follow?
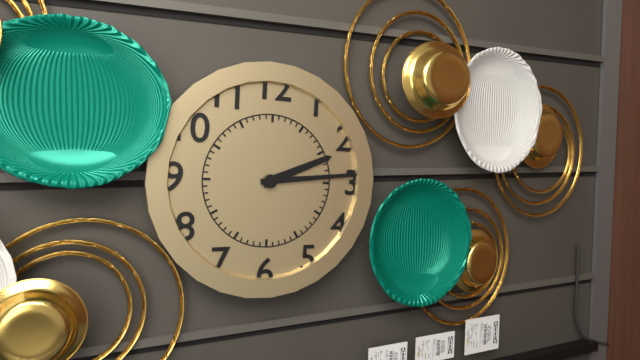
2h14
